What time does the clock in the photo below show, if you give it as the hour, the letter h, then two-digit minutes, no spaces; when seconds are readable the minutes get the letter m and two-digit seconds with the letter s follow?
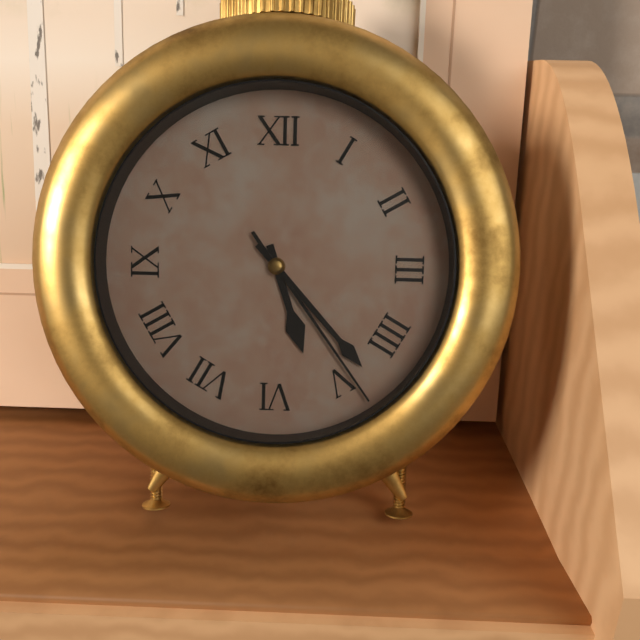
5h23m24s
